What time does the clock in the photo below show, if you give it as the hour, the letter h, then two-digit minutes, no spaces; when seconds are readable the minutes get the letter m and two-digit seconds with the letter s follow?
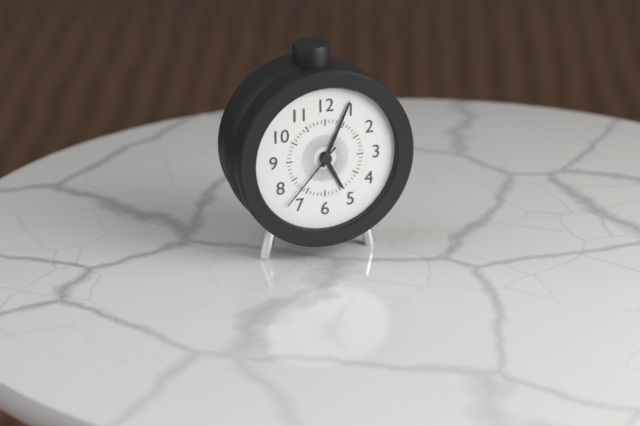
5h04m37s
